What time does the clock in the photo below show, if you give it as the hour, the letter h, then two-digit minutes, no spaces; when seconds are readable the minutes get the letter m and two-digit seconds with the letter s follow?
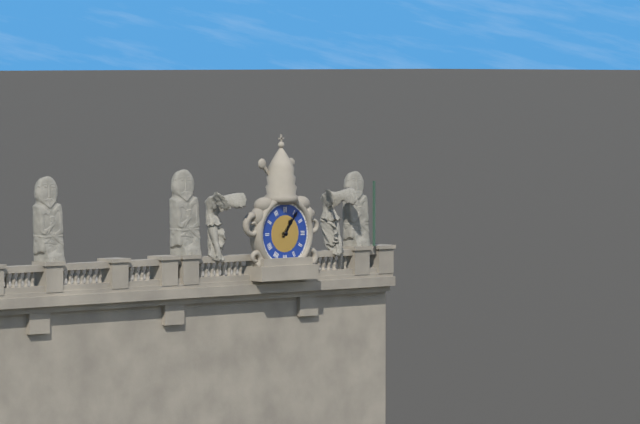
1h06
